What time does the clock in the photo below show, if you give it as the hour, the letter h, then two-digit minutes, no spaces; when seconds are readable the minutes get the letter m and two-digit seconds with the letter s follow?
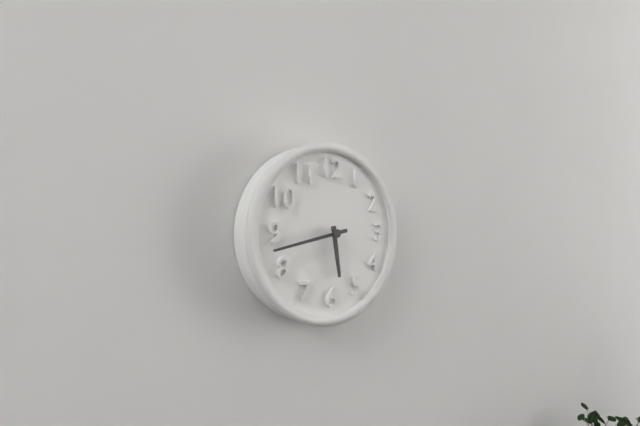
5h43
